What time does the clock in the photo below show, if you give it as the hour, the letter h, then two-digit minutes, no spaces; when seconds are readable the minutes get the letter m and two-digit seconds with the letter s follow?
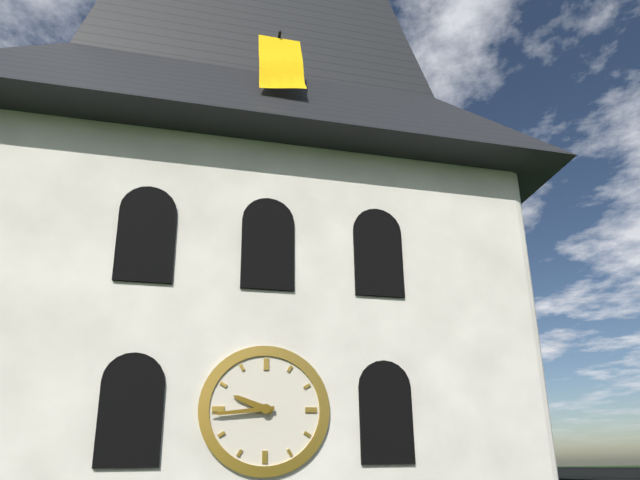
9h44
